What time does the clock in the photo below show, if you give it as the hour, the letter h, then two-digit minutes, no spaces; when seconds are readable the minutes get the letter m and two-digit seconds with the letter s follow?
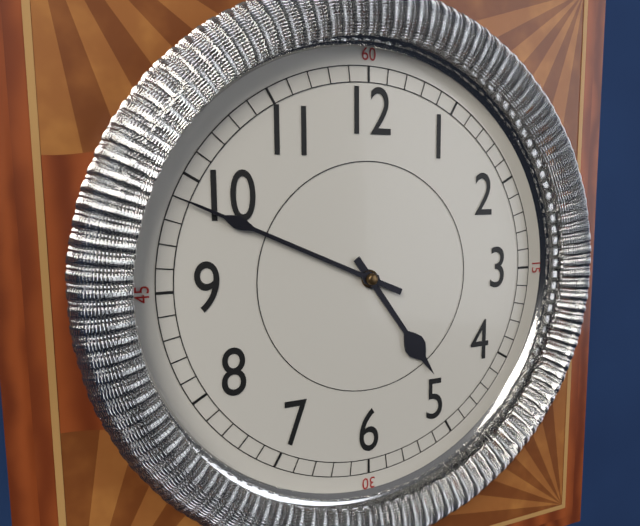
4h49
